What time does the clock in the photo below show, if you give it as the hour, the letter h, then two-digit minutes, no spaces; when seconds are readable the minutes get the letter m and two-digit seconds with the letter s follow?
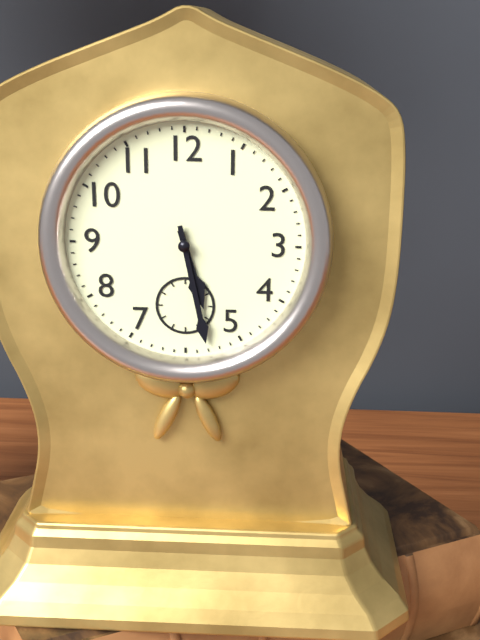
5h28
